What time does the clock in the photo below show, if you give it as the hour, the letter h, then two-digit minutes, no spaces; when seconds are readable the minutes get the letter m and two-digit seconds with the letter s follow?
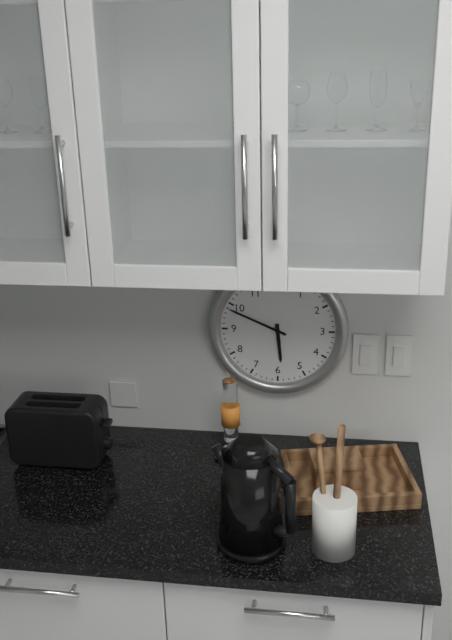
5h49
